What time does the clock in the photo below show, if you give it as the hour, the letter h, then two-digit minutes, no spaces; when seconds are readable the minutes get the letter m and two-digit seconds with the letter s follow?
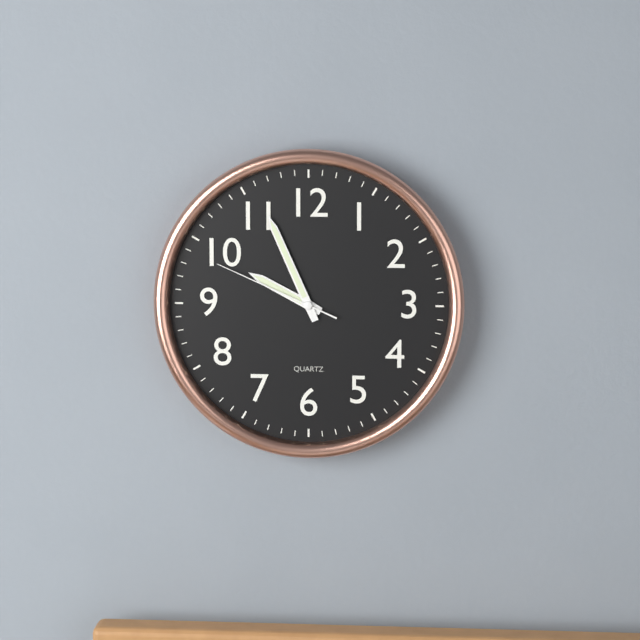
9h56m49s
